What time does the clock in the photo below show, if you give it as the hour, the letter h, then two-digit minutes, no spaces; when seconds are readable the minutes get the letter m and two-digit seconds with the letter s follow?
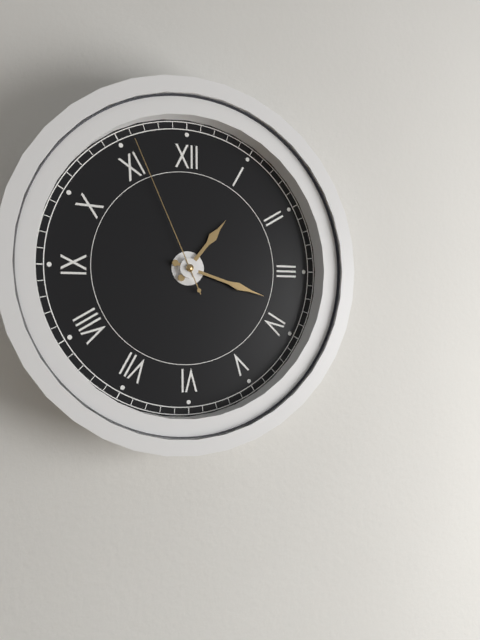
1h18m56s
